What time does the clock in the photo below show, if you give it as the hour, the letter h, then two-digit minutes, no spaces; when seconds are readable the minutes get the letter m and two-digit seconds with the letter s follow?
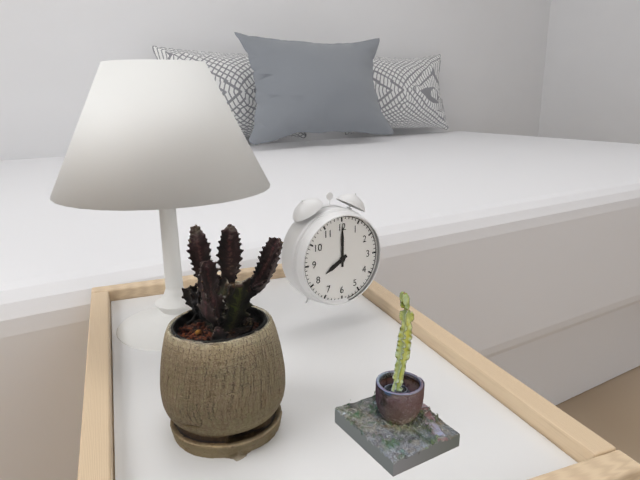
8h00
